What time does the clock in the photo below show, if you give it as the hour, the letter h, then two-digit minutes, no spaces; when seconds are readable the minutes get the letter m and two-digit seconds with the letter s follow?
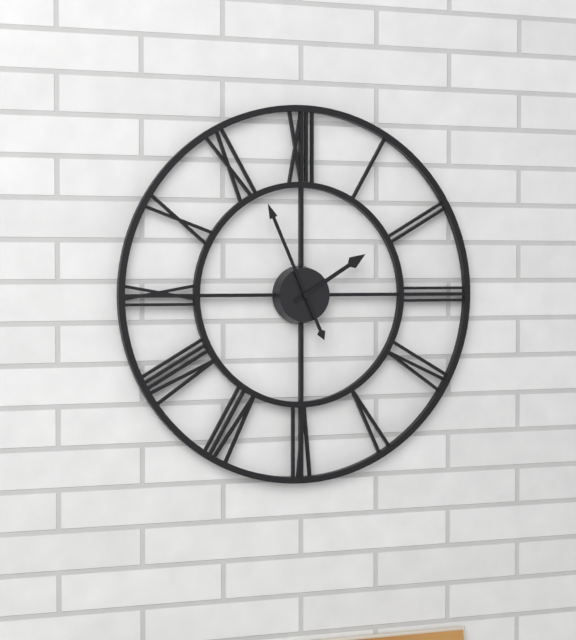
1h56
